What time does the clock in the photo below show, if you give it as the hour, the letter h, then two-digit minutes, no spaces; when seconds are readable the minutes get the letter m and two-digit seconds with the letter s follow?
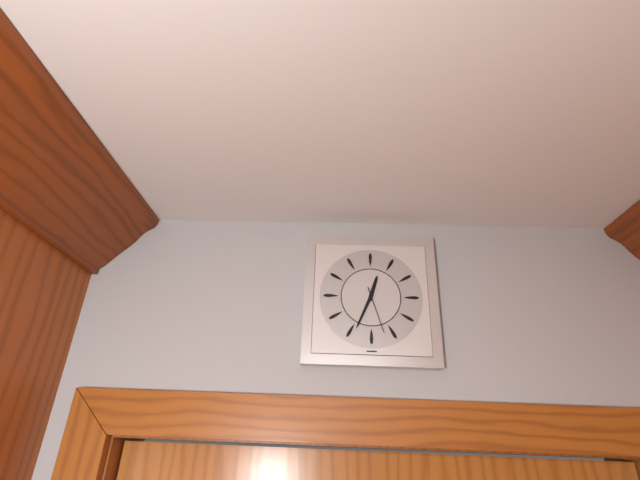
12h34
